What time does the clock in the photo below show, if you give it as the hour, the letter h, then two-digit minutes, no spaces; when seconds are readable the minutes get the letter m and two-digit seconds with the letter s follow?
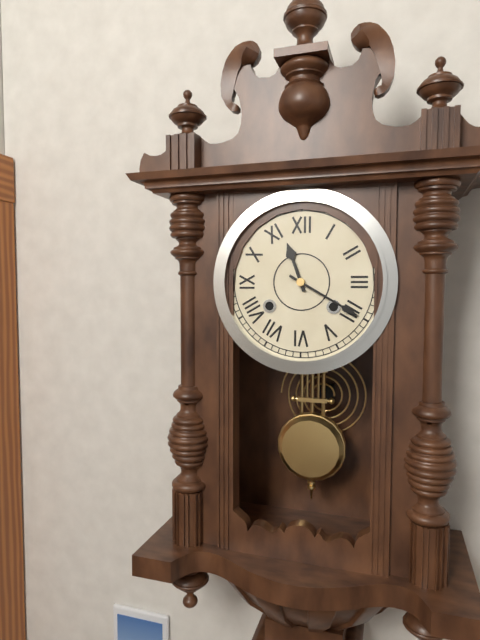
11h20
